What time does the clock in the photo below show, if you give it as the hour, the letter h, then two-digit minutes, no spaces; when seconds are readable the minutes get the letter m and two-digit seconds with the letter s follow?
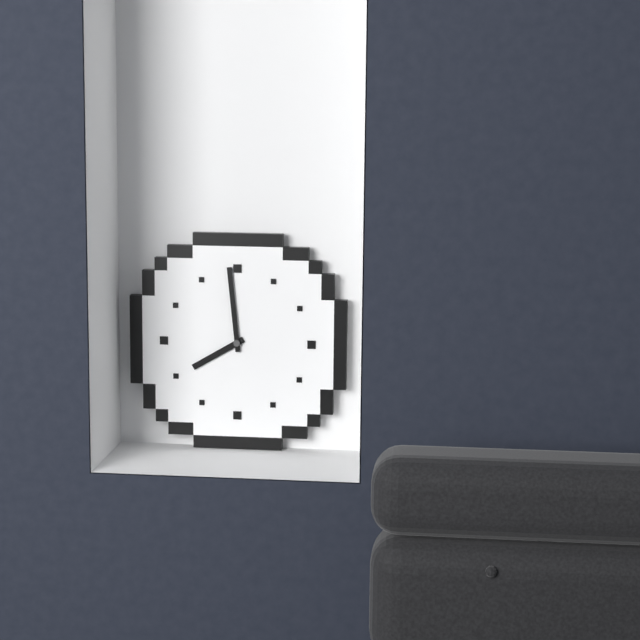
7h59
